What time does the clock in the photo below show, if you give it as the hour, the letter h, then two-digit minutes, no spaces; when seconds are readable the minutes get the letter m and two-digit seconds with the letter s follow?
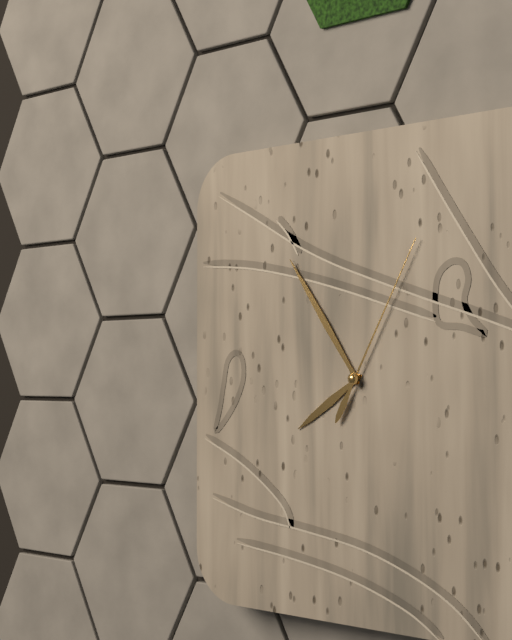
7h54m05s
